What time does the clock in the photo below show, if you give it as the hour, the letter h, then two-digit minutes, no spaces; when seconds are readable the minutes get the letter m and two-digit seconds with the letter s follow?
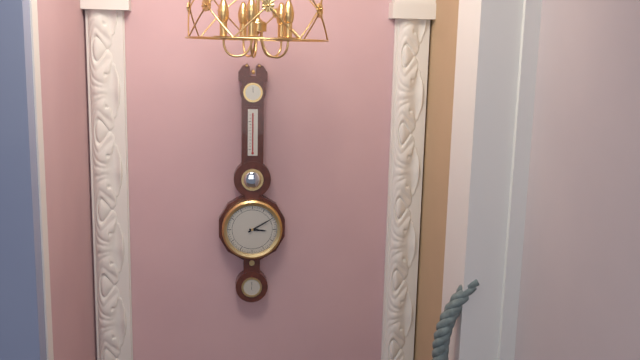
3h10
